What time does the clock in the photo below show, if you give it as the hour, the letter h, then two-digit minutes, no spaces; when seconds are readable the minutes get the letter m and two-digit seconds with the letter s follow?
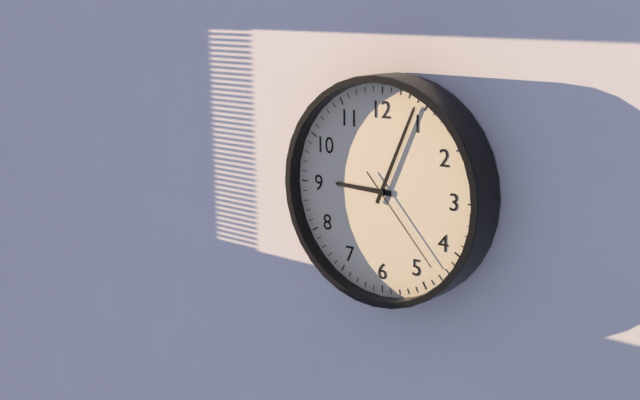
9h04m23s
